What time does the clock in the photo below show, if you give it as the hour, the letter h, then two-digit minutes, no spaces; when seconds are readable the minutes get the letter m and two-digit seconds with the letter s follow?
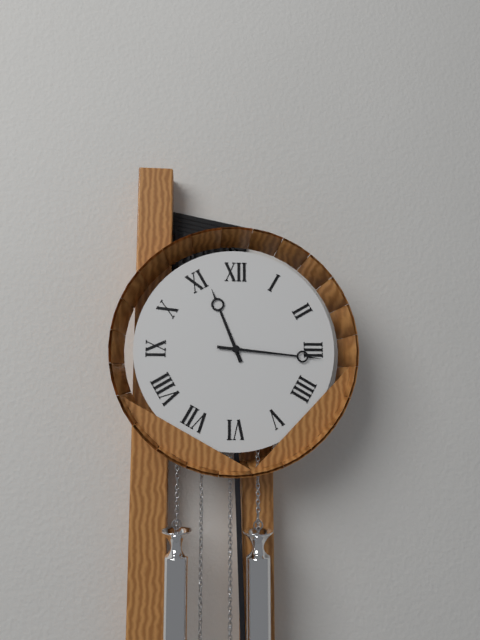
11h16
